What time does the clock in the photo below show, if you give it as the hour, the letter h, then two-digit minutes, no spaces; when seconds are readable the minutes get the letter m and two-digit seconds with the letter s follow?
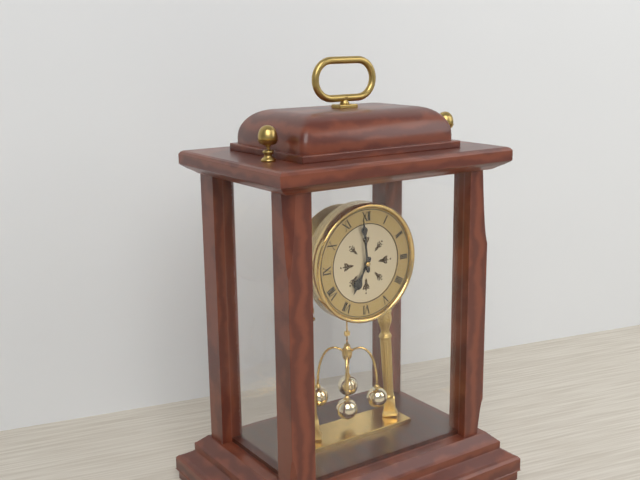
6h59
